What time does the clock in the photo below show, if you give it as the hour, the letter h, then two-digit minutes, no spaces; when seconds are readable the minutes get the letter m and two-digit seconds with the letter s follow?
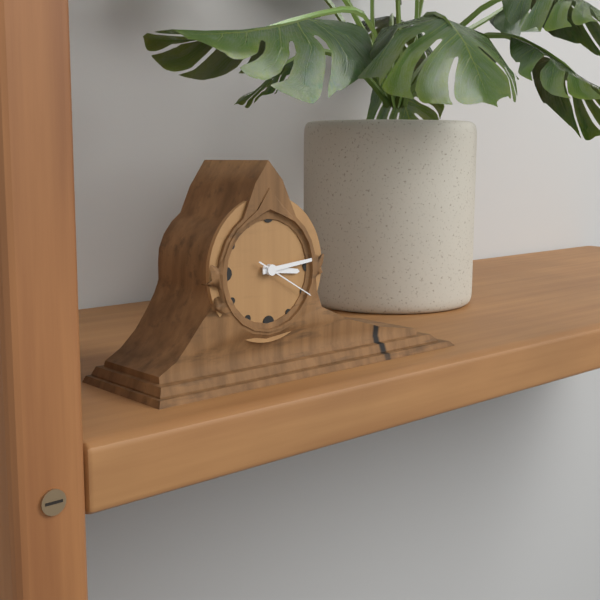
3h14m20s
